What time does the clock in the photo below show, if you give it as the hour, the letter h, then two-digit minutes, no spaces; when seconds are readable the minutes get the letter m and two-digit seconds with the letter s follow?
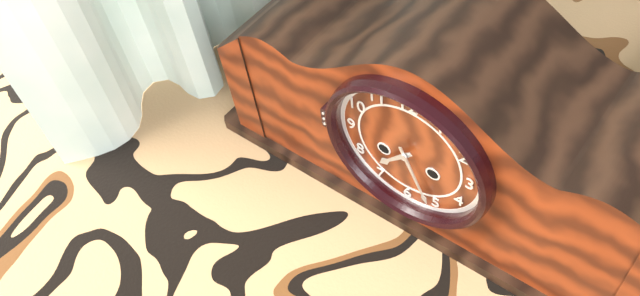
7h26
